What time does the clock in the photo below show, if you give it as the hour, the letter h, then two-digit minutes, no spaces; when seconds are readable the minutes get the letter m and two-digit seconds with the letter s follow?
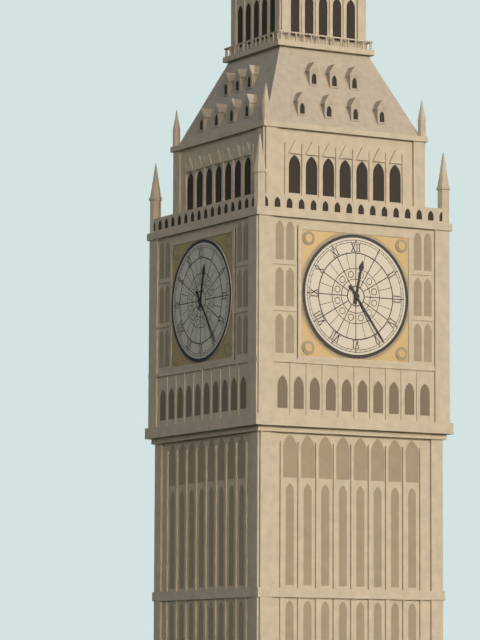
12h24
